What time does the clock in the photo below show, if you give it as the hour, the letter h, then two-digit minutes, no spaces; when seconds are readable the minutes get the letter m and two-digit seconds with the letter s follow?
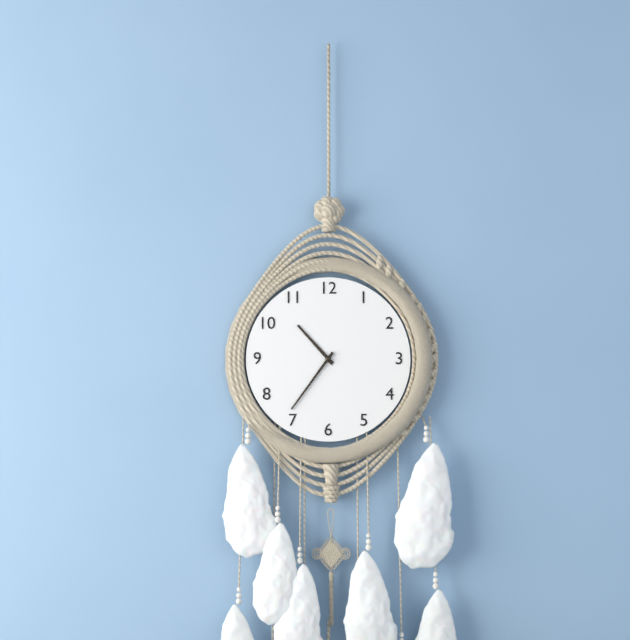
10h36
